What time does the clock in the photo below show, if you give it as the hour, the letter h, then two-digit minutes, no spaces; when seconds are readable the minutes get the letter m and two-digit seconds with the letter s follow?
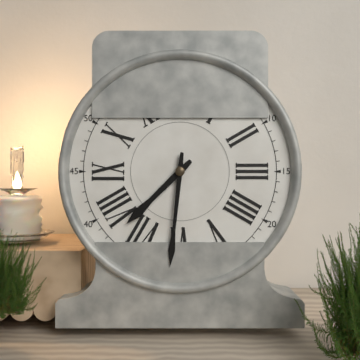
7h31
